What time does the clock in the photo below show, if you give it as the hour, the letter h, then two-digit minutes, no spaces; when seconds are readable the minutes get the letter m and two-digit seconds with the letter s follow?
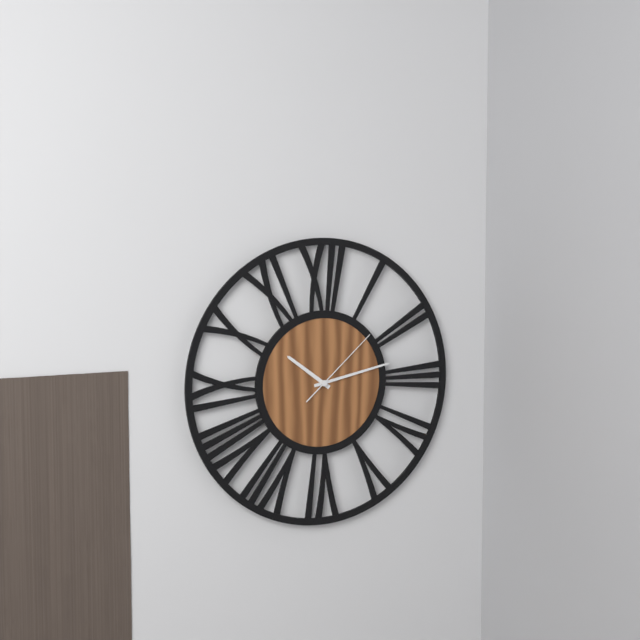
10h13m08s
